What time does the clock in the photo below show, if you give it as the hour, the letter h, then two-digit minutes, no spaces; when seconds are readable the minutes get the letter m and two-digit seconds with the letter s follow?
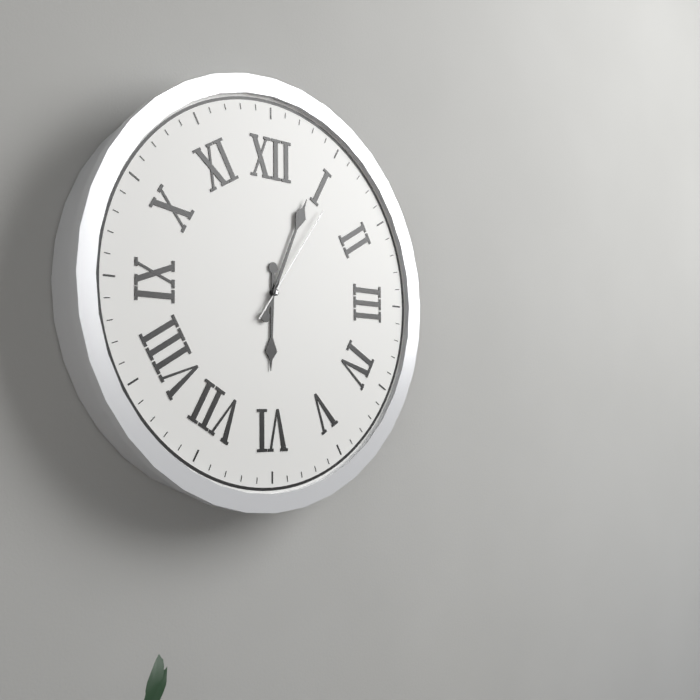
6h04m06s
